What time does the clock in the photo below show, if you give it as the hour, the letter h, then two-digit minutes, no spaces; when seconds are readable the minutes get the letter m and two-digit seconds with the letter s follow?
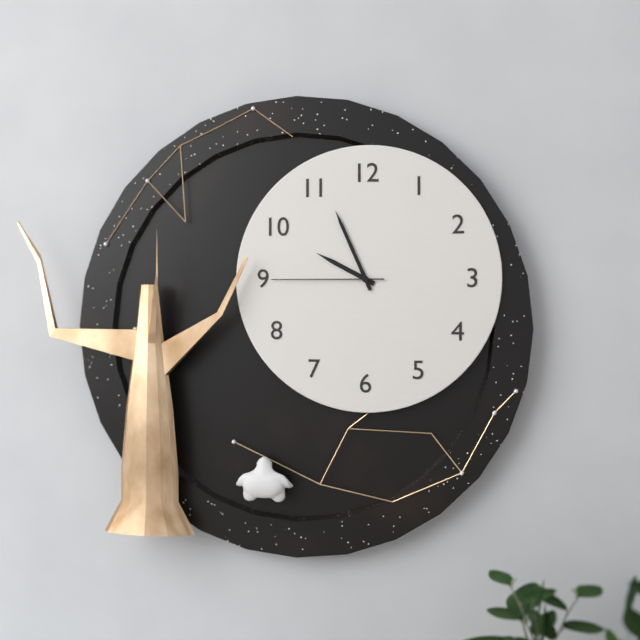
9h56m45s
